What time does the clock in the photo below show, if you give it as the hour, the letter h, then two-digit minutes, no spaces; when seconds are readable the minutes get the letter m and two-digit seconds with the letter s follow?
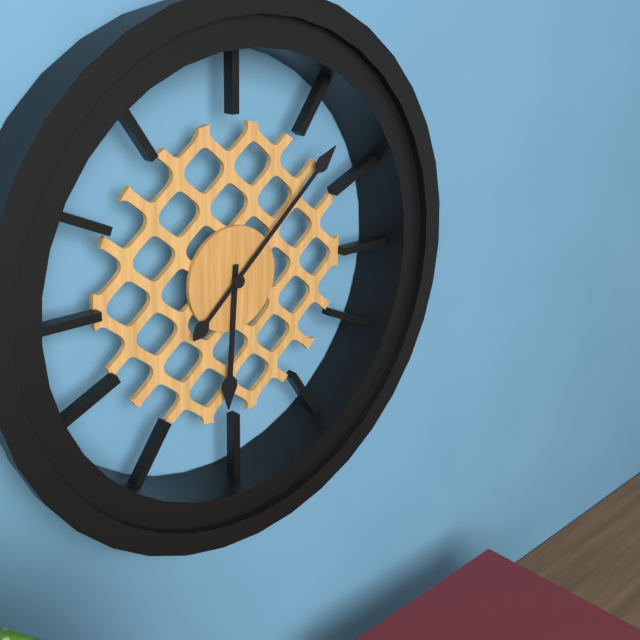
6h08
